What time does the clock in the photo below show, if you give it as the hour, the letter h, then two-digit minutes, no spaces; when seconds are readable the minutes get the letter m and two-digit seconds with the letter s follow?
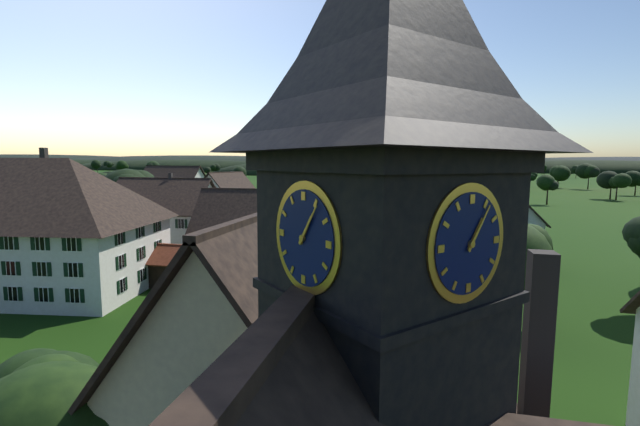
1h06
